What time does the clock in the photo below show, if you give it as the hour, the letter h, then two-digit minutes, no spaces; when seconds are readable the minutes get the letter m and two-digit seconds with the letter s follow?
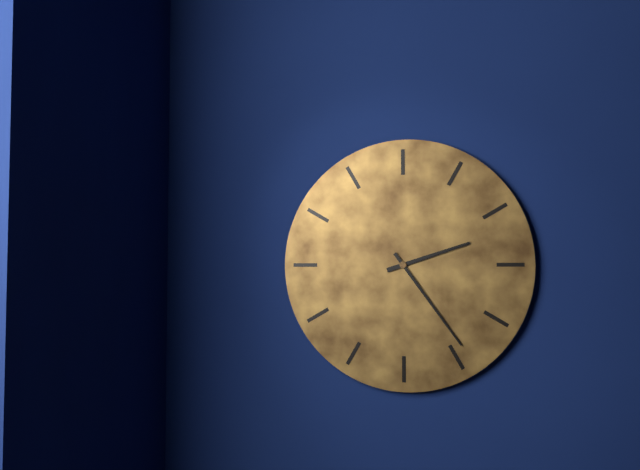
2h24
